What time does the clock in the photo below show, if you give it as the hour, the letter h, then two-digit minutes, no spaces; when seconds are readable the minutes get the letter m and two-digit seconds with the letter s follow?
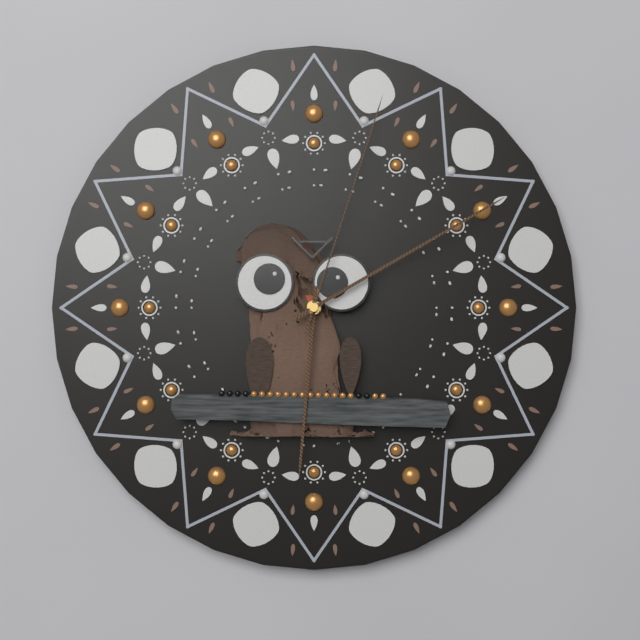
6h10m03s
